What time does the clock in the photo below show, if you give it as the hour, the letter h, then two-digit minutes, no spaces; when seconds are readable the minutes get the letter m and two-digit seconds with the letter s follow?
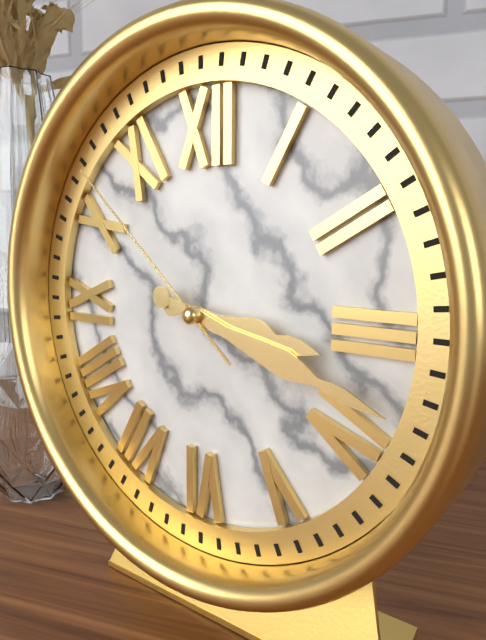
3h18m52s
